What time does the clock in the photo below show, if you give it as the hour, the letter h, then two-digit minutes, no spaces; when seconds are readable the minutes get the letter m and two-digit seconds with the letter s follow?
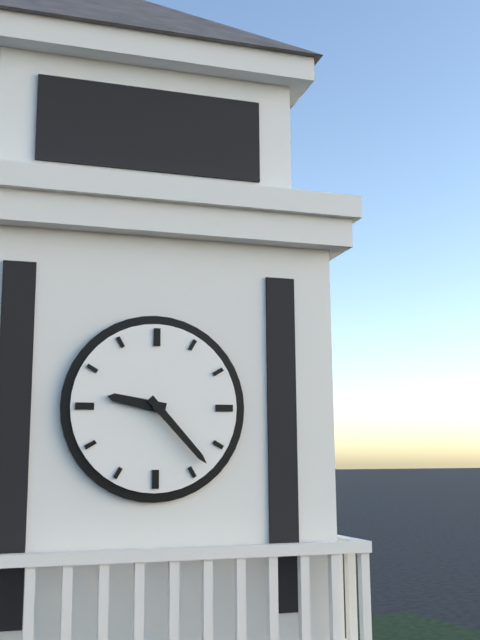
9h23
